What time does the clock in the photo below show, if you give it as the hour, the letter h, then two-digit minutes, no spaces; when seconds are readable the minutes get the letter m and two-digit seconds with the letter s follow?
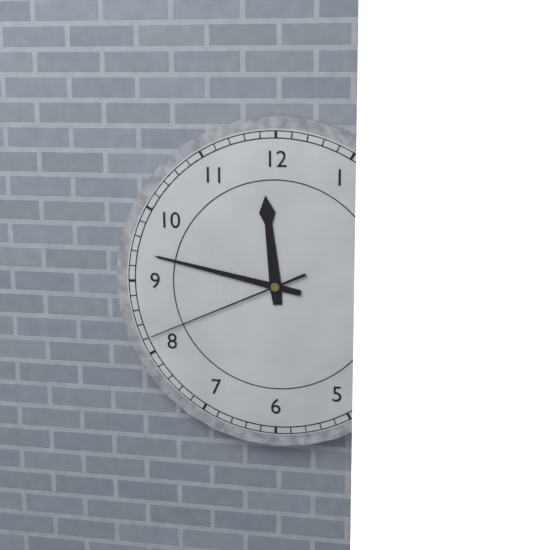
11h47m41s
